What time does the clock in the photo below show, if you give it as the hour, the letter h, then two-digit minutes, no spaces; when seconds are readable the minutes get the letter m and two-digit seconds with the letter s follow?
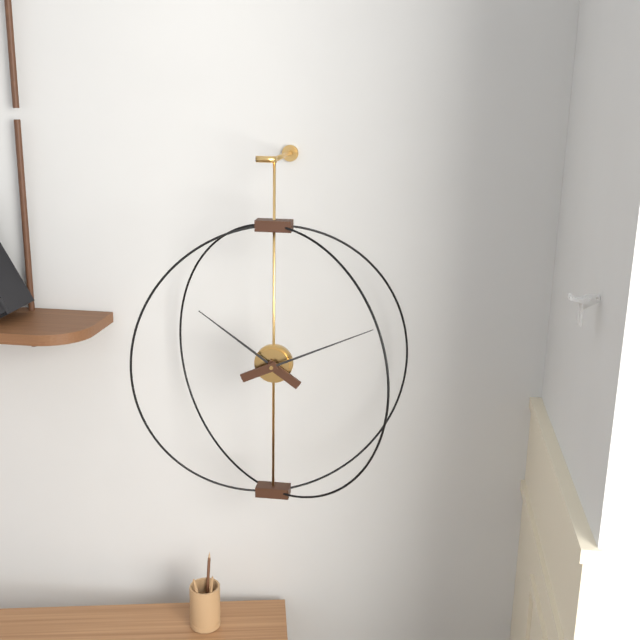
10h11
